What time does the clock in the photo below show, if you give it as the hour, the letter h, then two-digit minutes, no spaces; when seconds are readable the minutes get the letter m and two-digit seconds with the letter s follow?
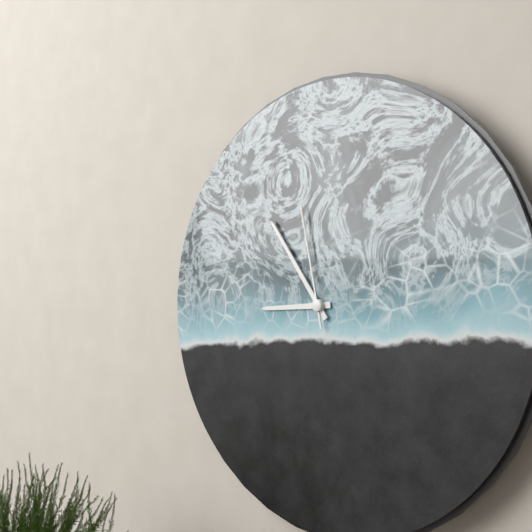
8h54m58s
